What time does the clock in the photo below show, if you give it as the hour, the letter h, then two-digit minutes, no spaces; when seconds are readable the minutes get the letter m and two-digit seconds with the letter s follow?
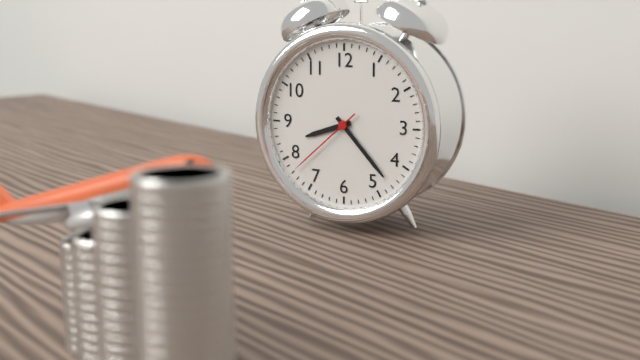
8h23m38s
